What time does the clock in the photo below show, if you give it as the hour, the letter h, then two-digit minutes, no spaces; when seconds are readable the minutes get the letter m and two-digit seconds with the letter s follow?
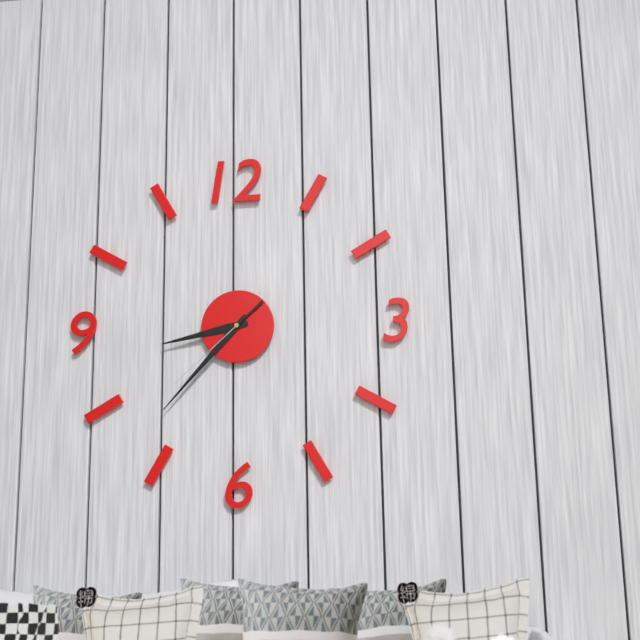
8h37m38s
